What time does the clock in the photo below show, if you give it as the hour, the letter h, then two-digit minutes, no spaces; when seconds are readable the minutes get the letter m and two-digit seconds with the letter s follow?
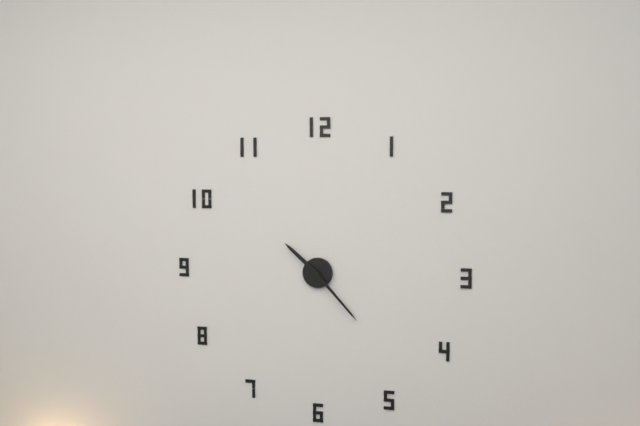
10h23
